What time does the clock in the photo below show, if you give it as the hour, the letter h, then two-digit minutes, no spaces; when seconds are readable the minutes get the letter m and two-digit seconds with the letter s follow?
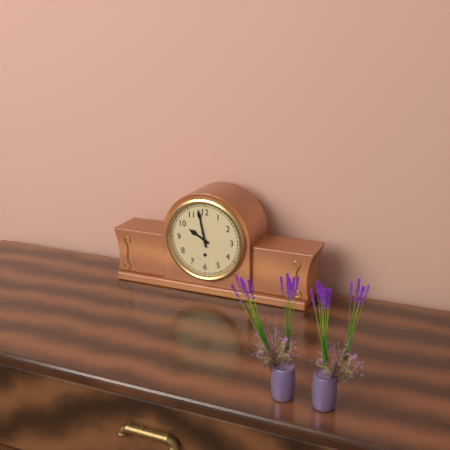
9h58
